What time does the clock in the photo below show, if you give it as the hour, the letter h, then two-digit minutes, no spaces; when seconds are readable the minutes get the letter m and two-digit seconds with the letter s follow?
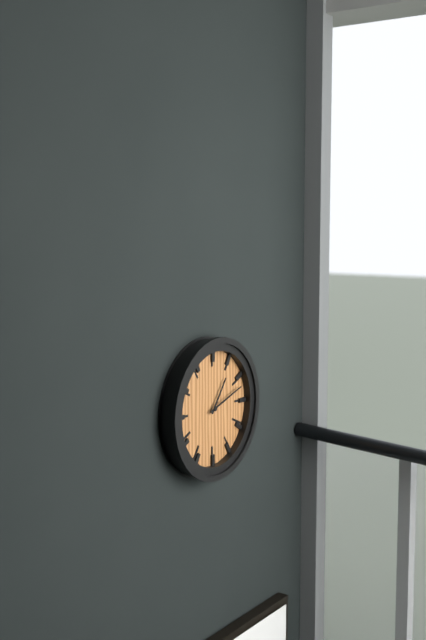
1h12
